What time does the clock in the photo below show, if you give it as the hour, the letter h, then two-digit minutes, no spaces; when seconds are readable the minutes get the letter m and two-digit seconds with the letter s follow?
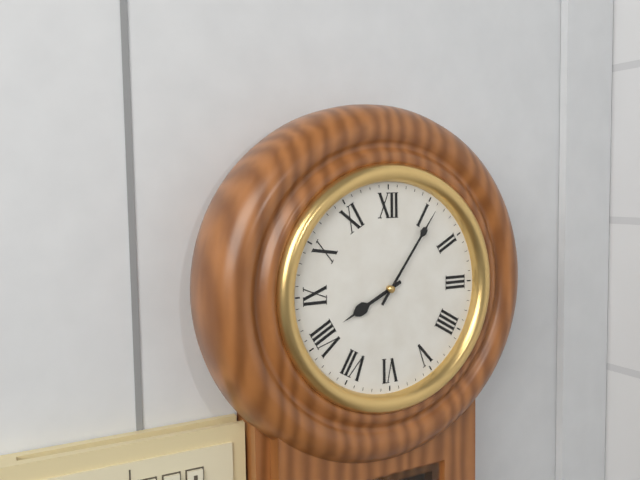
8h06
